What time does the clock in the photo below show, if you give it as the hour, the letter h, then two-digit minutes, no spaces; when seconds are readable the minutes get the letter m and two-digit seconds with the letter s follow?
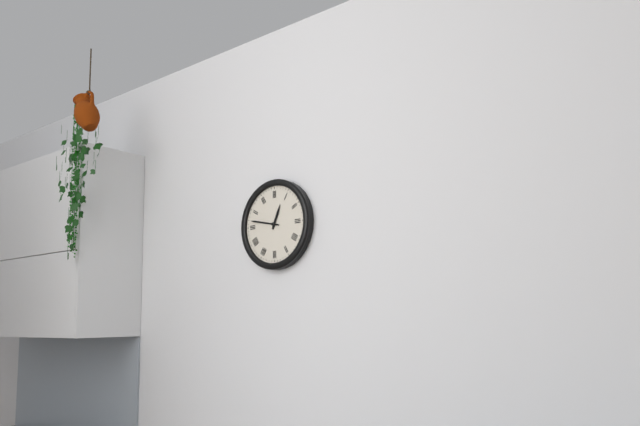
12h47
